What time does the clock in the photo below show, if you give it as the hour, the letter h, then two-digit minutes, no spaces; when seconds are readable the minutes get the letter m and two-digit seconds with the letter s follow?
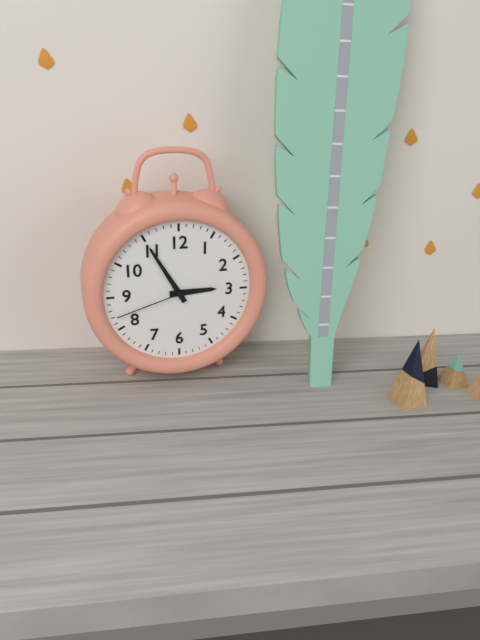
2h55m42s
